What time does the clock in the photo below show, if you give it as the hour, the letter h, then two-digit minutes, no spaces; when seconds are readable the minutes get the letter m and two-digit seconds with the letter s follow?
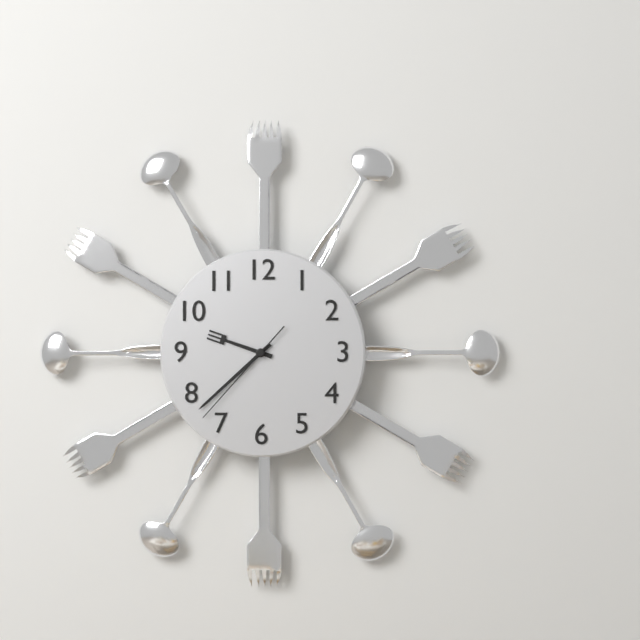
9h38m37s
